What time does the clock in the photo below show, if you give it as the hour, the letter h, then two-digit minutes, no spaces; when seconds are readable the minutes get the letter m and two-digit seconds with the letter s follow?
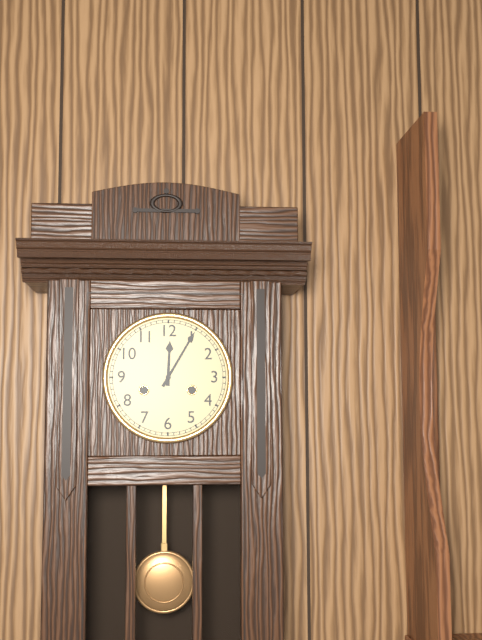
12h05
